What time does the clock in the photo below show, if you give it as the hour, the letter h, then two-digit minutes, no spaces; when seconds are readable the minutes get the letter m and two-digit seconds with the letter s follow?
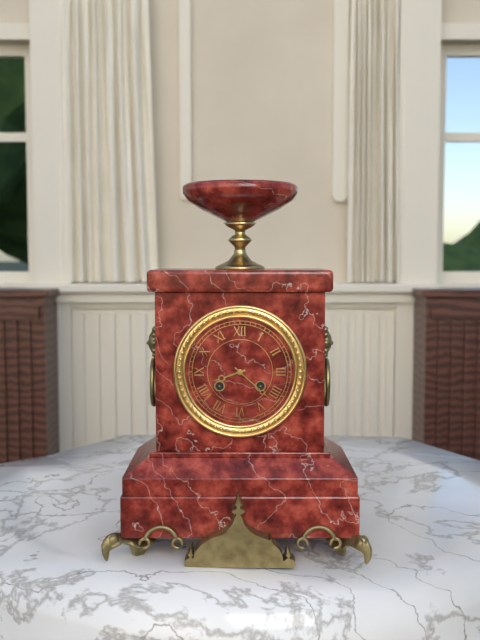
8h22
